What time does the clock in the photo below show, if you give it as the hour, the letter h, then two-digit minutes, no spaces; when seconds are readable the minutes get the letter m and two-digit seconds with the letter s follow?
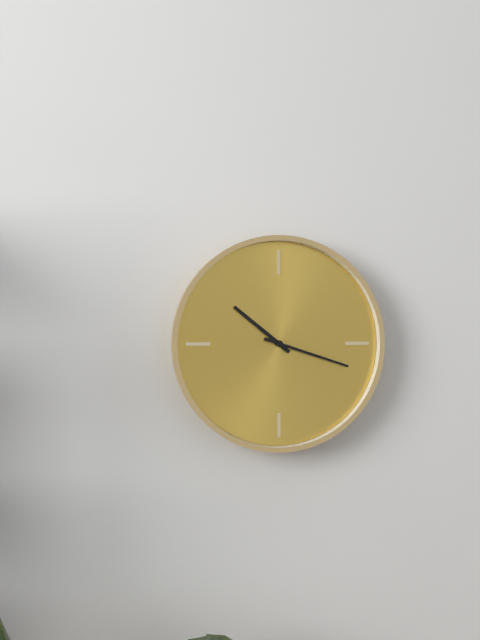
10h18
